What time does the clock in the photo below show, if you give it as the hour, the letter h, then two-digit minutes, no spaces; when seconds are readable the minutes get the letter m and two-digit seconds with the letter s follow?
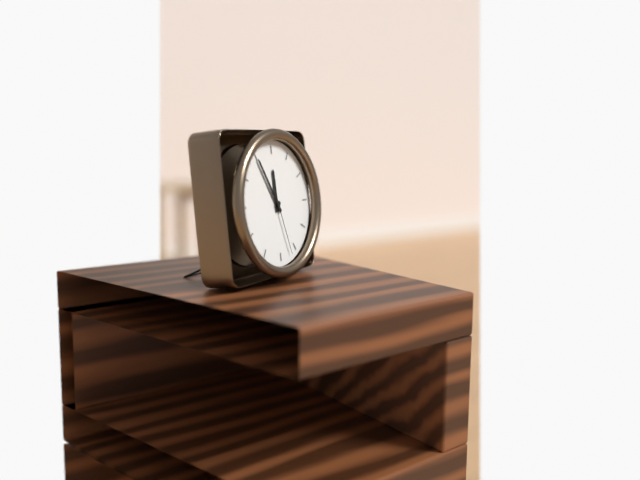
11h55m27s
